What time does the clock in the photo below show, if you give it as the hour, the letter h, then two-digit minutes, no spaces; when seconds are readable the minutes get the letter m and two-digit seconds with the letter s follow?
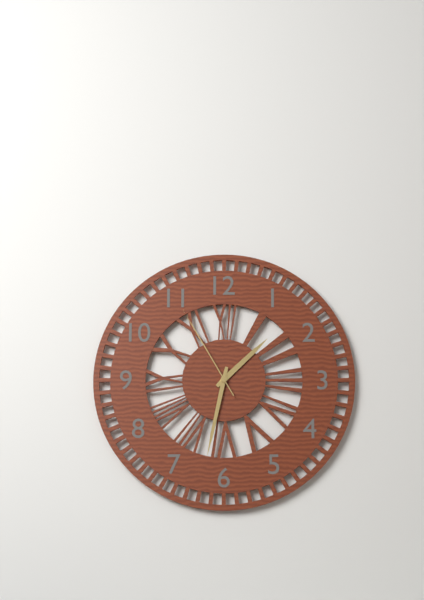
1h32m55s
